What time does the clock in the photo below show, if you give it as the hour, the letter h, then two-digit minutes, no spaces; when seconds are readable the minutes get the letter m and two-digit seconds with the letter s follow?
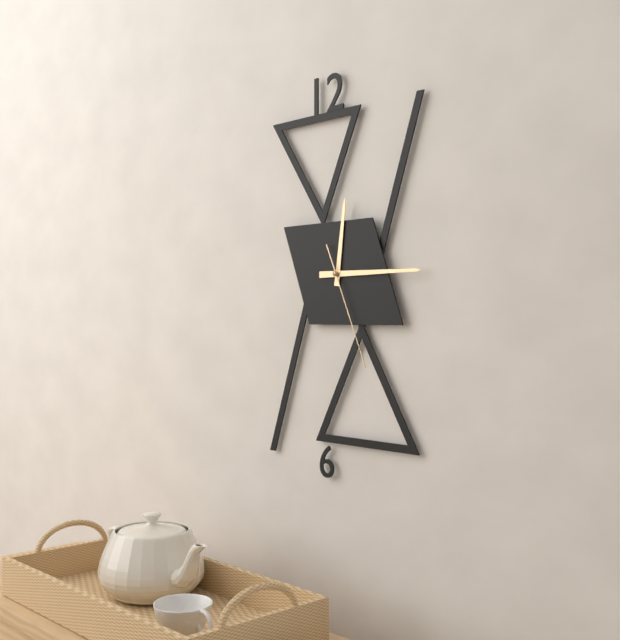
12h15m26s
